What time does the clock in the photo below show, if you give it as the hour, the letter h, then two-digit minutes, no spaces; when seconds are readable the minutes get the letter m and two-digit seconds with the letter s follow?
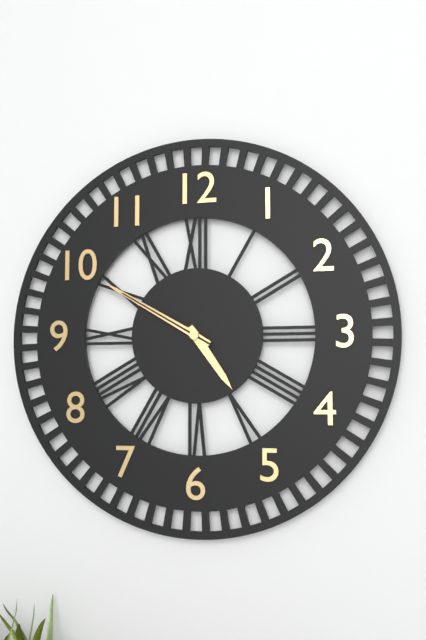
4h50m50s
